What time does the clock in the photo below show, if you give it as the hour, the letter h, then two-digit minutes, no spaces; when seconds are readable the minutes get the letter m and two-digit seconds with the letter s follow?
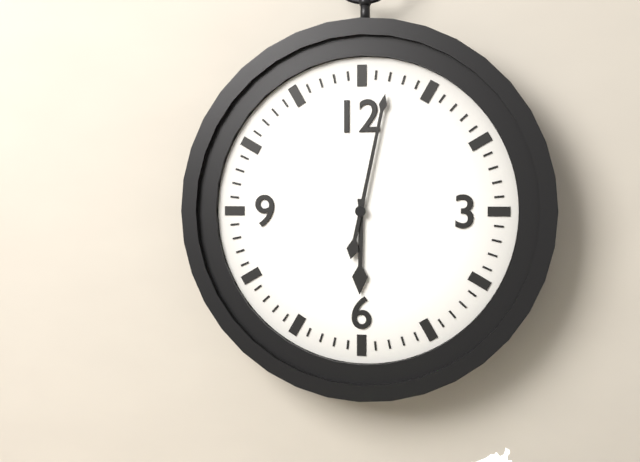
6h02
